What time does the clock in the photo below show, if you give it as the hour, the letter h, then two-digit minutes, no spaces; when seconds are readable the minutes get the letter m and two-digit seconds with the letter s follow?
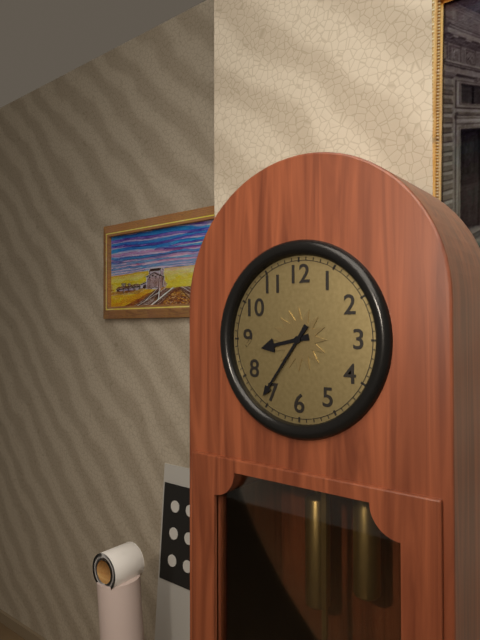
8h36
